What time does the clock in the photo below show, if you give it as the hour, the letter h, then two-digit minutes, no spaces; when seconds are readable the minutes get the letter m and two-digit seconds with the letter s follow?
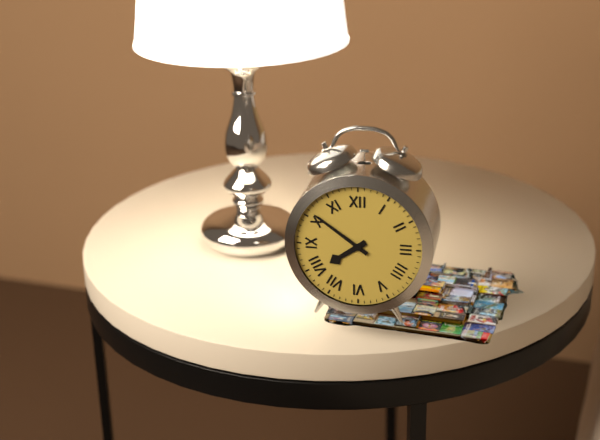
7h51
